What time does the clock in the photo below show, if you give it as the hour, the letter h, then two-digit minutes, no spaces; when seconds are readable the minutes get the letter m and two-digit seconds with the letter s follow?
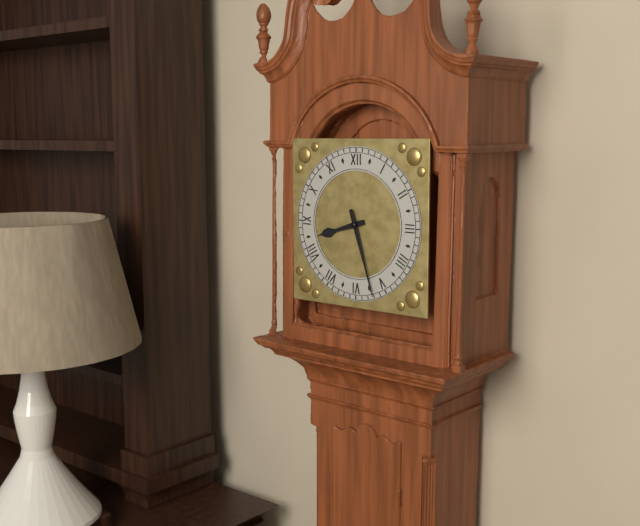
8h27
